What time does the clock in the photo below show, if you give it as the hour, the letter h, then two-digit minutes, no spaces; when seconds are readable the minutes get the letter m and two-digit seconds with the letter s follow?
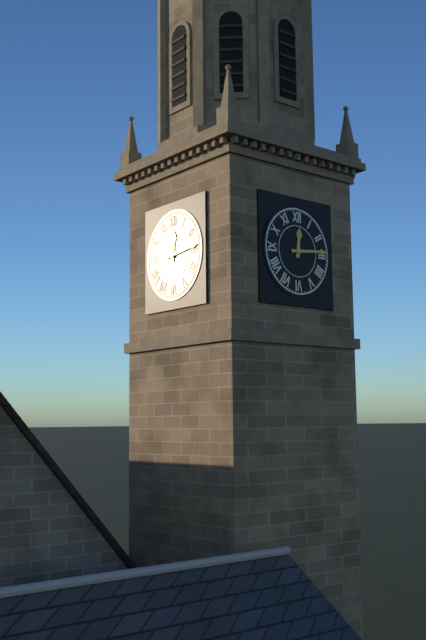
12h14
